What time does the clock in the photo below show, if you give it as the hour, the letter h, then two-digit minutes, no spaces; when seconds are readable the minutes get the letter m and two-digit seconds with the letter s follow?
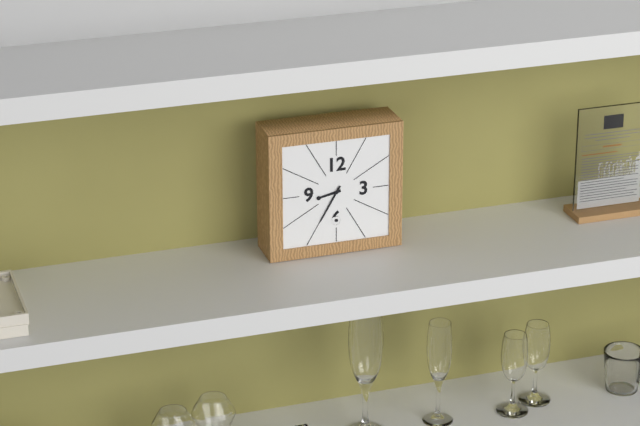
8h35
